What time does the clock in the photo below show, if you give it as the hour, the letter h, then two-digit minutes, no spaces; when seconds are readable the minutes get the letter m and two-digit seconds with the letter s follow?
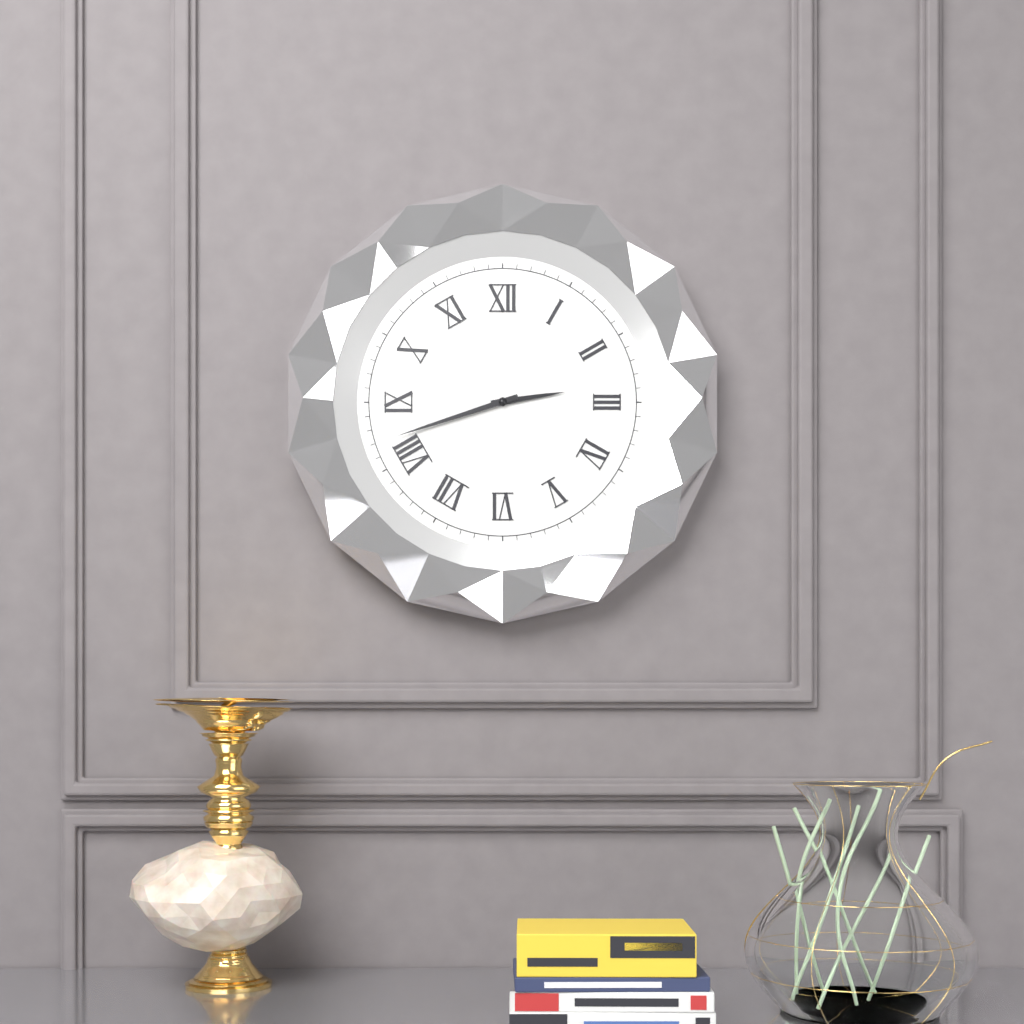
2h42
